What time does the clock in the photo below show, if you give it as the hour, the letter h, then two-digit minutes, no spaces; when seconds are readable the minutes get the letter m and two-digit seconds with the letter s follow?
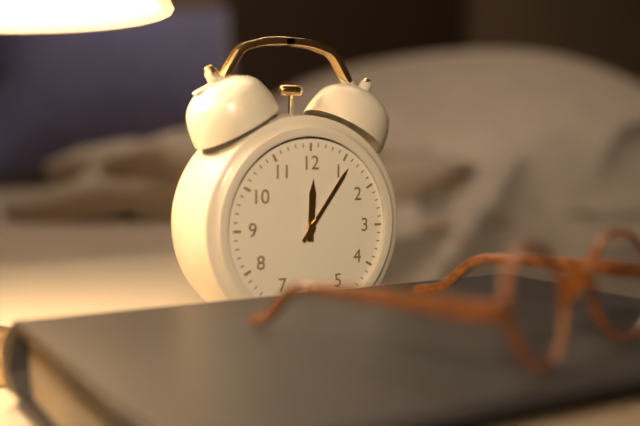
12h06
